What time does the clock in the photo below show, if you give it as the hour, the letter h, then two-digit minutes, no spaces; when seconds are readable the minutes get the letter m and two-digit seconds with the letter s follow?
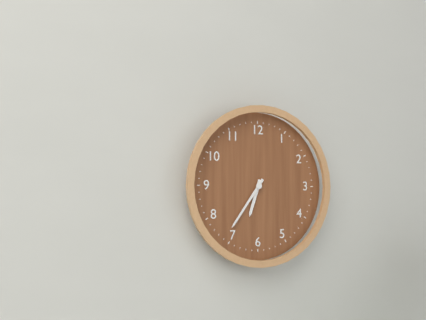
6h36
